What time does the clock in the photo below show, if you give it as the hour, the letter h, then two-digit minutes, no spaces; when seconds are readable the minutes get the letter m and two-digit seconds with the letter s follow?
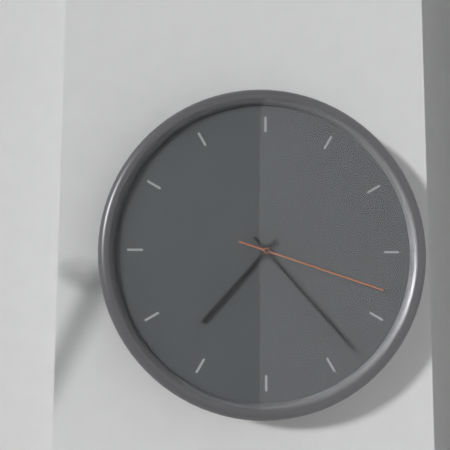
7h23m18s
